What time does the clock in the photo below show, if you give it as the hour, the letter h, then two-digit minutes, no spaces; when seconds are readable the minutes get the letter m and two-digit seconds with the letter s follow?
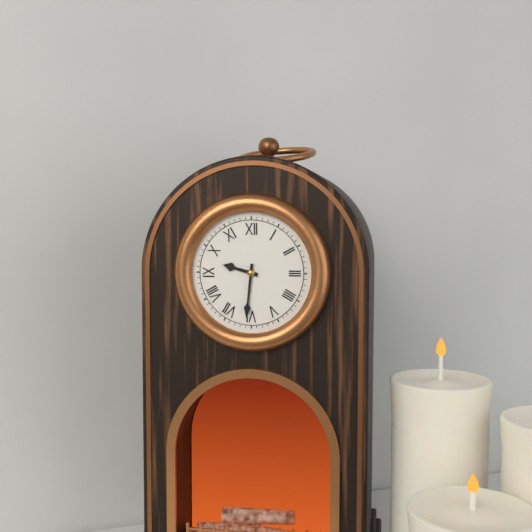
9h31
